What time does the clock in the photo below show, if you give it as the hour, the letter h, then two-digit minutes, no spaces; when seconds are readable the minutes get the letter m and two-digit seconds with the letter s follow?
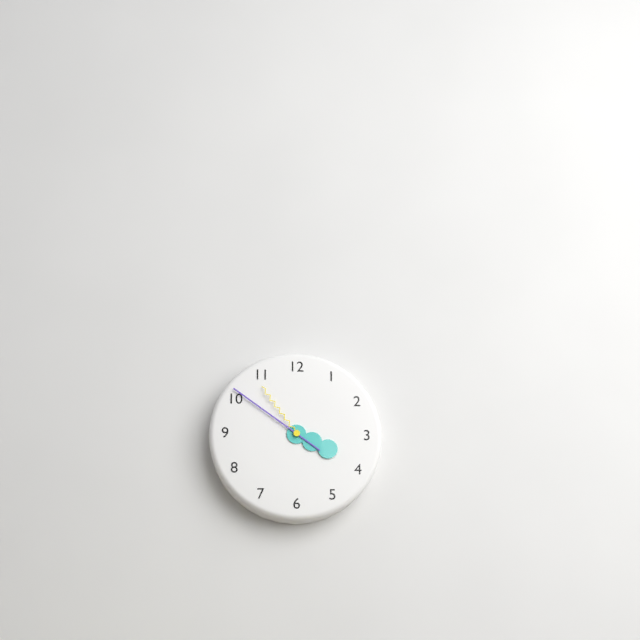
3h51m54s
